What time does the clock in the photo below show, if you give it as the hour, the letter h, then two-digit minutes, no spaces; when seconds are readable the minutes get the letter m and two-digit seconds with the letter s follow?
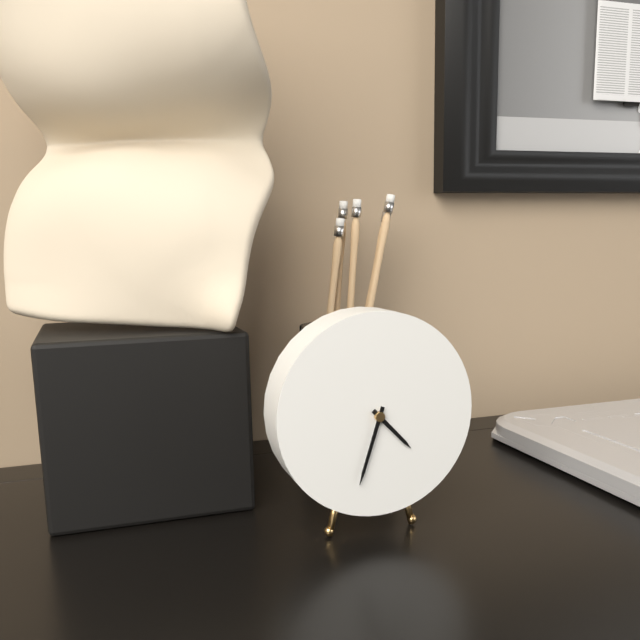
4h33
